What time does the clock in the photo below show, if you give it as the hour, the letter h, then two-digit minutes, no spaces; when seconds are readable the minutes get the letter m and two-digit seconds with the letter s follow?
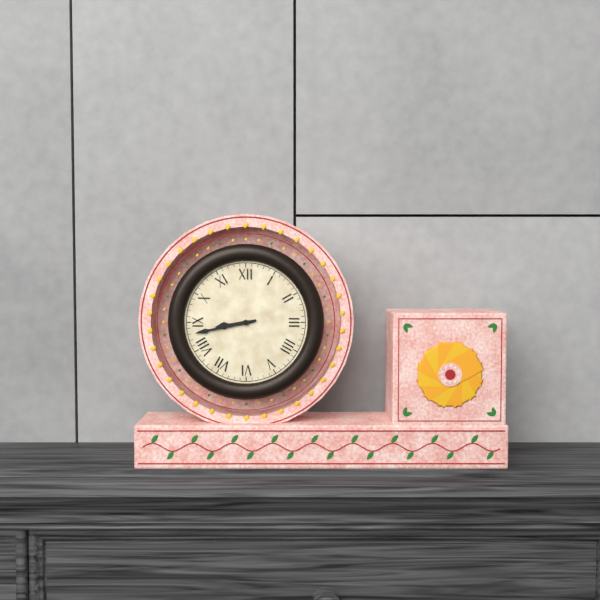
8h43
